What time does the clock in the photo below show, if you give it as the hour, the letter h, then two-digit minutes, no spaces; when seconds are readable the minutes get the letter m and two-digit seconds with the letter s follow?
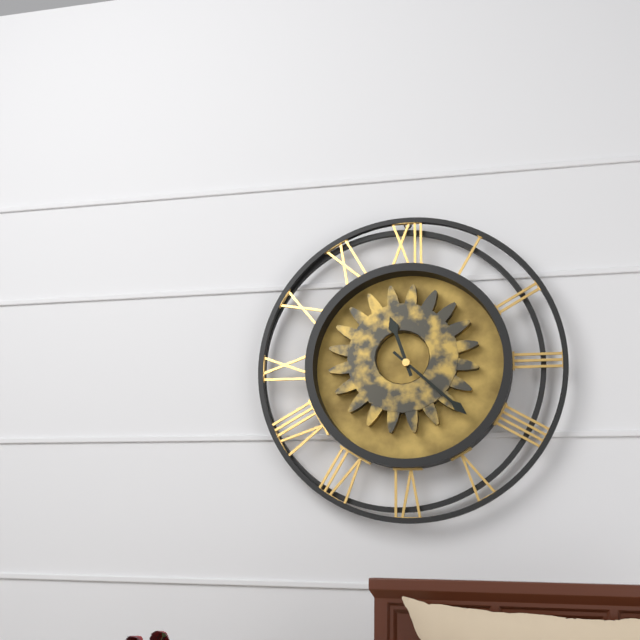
11h22
